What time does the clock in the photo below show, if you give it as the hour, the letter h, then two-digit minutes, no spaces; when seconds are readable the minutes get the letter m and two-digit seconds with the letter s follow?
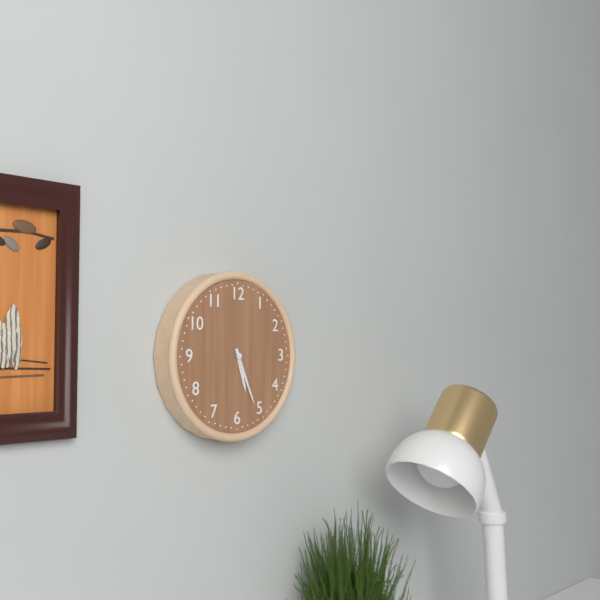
5h26
